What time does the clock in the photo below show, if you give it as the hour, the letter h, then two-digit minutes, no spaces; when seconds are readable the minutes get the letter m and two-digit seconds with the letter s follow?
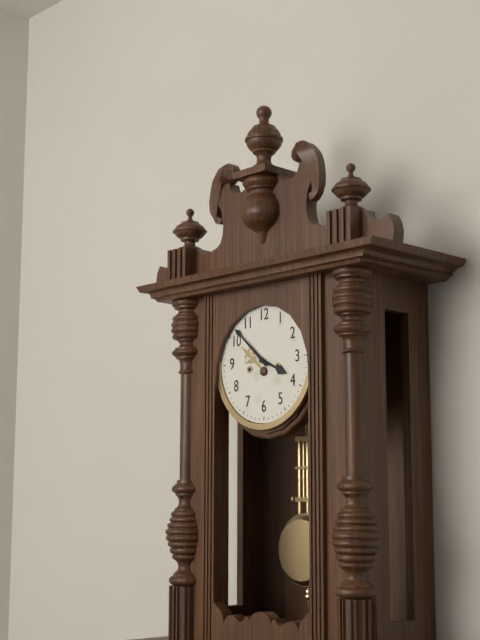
3h52
